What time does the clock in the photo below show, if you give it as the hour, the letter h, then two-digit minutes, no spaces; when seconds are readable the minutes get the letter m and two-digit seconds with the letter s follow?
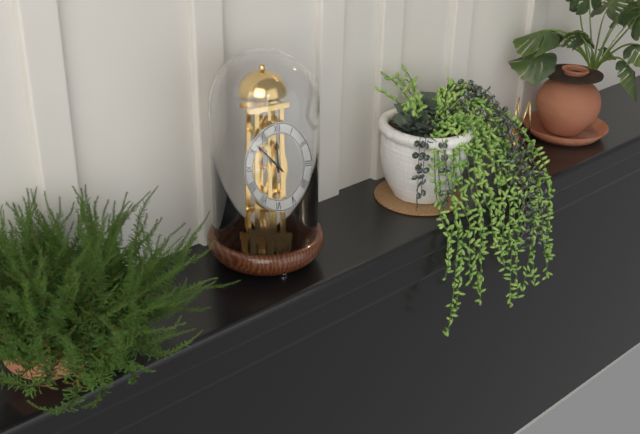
11h52
